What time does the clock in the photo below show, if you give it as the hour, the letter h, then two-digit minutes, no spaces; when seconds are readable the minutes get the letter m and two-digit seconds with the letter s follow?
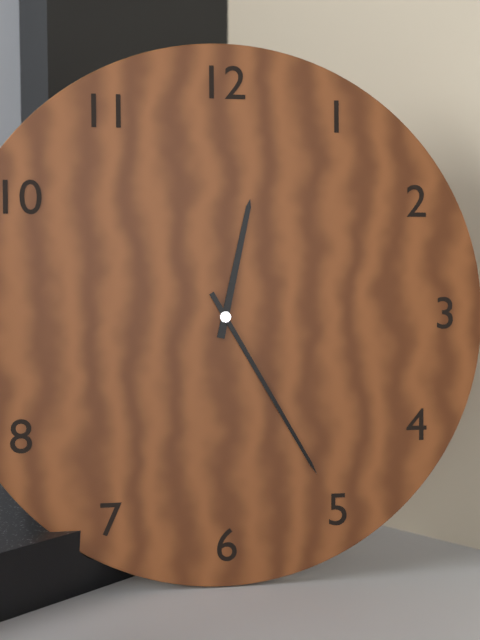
12h25
